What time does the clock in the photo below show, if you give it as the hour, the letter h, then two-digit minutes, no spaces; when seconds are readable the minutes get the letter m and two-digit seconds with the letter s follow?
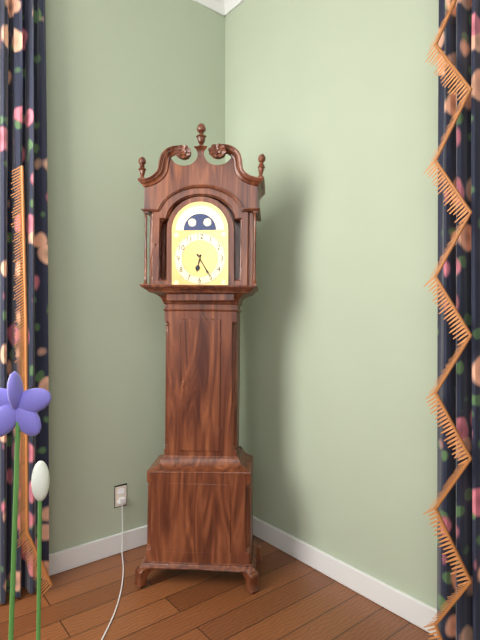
6h25
